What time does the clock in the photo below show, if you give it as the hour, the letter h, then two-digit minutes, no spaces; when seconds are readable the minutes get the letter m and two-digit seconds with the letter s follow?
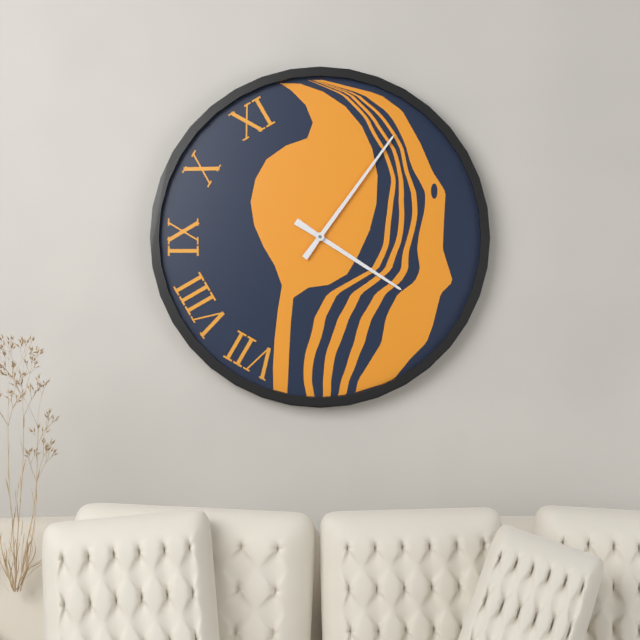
4h06
